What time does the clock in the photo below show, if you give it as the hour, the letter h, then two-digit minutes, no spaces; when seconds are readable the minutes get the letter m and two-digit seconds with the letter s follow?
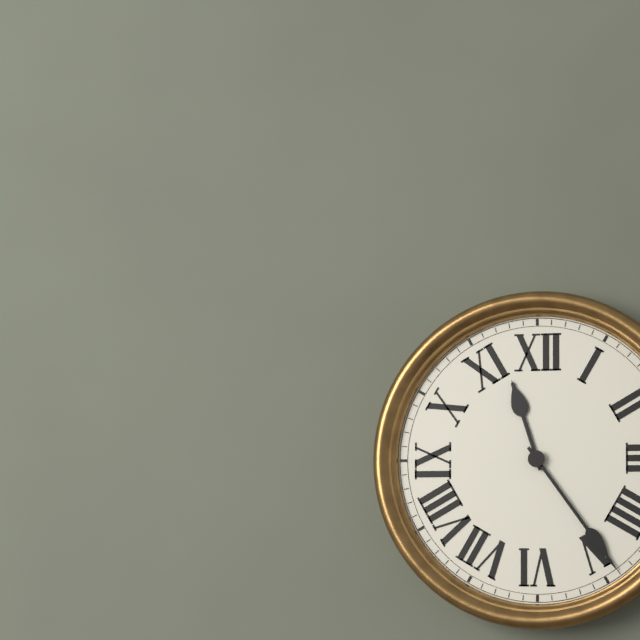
11h24
